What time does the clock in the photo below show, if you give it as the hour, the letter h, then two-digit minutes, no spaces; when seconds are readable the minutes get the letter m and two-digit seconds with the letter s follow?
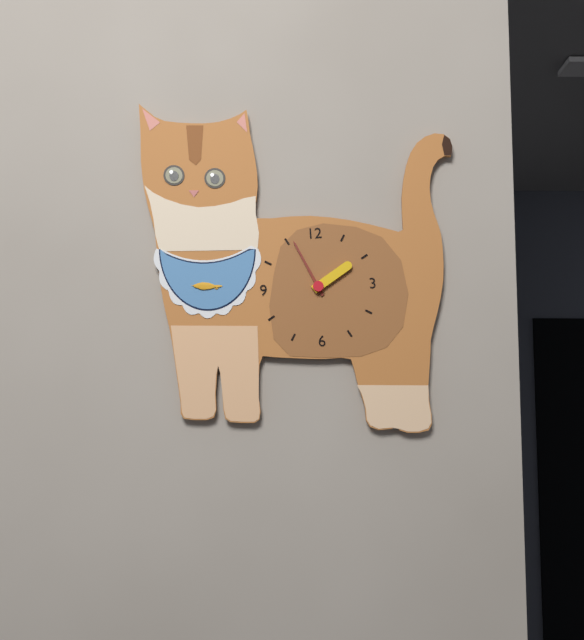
1h56
